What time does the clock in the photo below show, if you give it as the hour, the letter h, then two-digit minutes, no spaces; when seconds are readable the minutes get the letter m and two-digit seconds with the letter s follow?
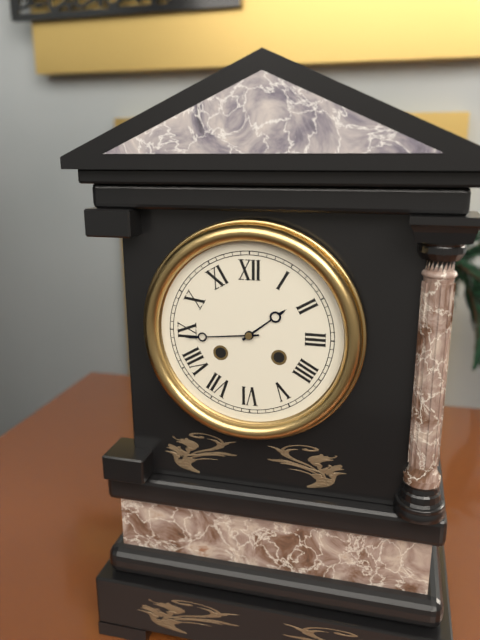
1h44
